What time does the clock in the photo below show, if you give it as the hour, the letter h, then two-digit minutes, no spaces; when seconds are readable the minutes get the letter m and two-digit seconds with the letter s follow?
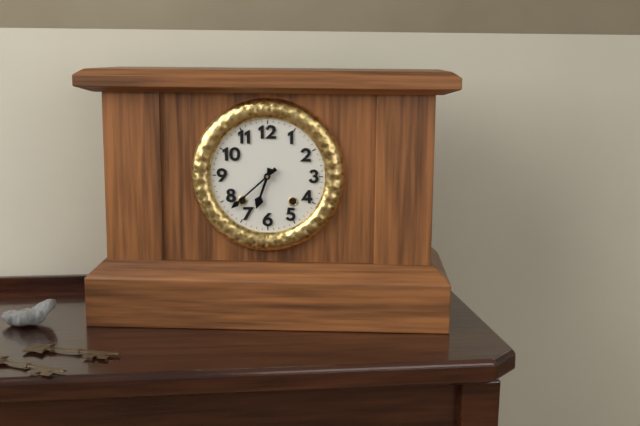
6h38
